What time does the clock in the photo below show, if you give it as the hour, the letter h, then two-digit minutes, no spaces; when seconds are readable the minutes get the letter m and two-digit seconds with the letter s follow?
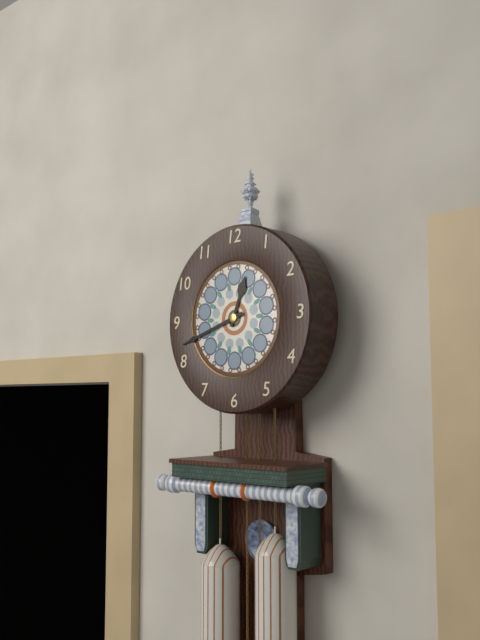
12h42
